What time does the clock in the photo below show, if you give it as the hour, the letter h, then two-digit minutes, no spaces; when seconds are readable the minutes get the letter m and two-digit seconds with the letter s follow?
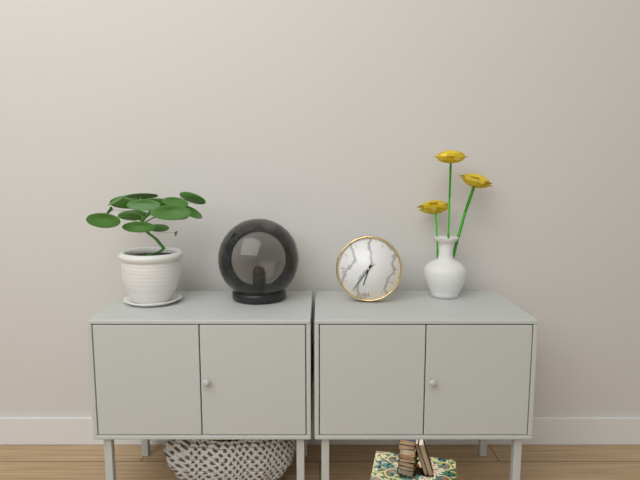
6h36
